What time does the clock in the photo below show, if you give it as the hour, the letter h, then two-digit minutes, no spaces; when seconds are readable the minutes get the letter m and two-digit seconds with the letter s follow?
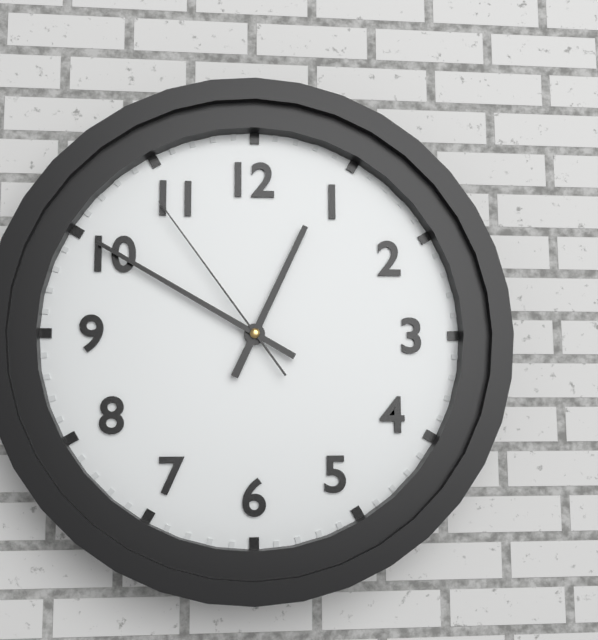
12h50m54s
